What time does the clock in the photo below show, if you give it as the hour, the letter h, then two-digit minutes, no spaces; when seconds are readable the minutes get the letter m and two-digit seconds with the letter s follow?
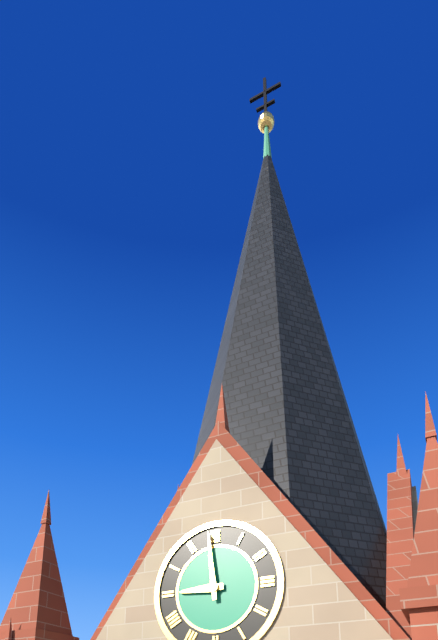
8h59
